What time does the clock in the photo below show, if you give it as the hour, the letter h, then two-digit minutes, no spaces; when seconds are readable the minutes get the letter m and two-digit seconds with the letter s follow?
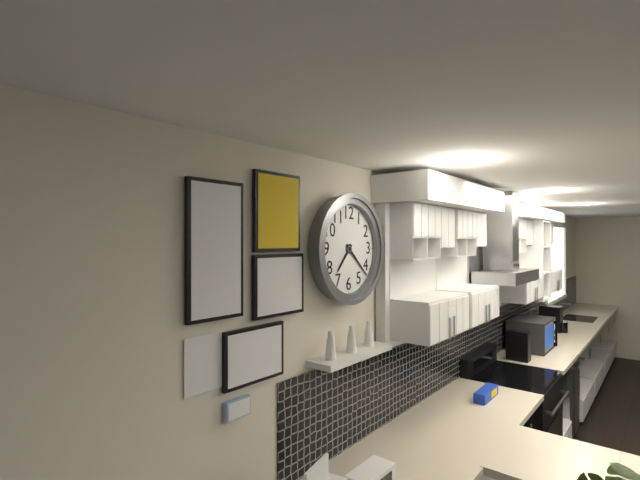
7h22
